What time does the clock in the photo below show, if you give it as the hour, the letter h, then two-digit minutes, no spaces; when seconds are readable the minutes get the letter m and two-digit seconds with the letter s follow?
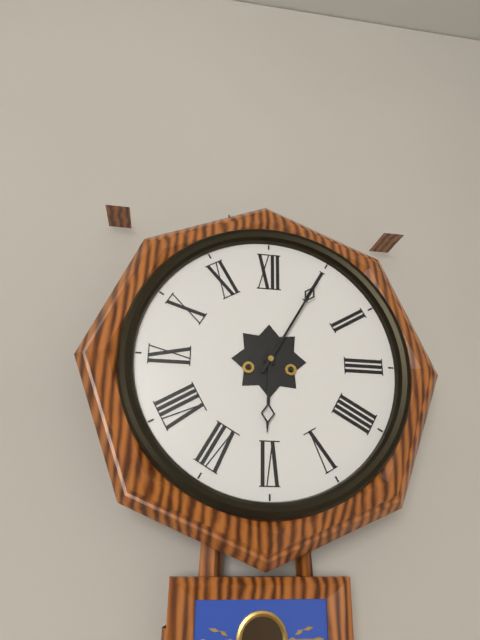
6h05
